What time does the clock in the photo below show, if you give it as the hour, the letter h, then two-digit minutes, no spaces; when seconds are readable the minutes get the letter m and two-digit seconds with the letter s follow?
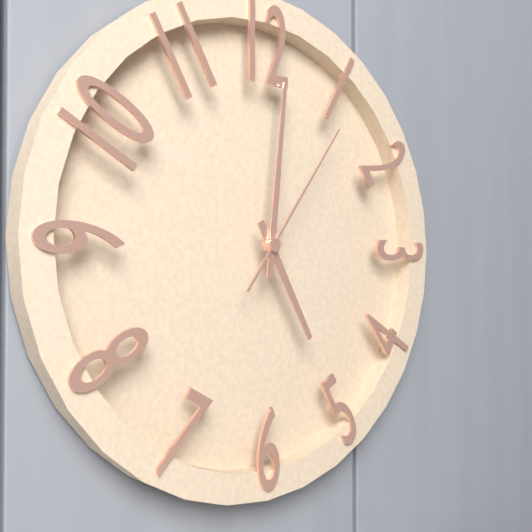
5h01m06s
